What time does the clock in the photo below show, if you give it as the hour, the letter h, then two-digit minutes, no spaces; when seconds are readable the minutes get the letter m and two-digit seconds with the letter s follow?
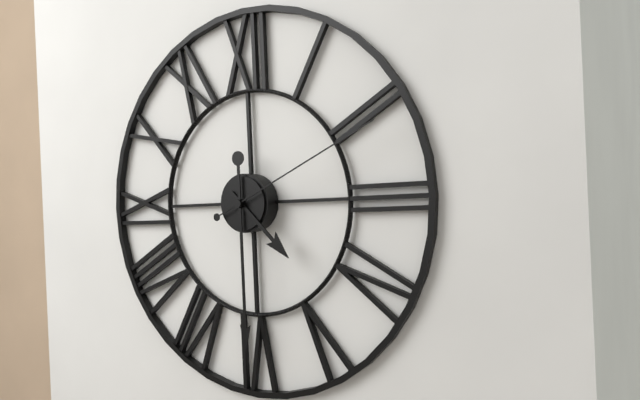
4h30m11s
